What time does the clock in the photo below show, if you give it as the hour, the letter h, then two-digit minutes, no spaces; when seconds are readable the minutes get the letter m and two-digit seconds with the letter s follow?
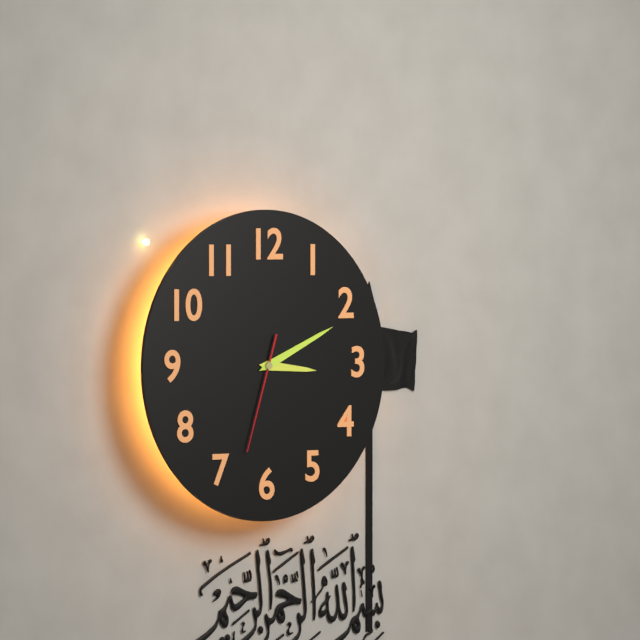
3h11m33s
